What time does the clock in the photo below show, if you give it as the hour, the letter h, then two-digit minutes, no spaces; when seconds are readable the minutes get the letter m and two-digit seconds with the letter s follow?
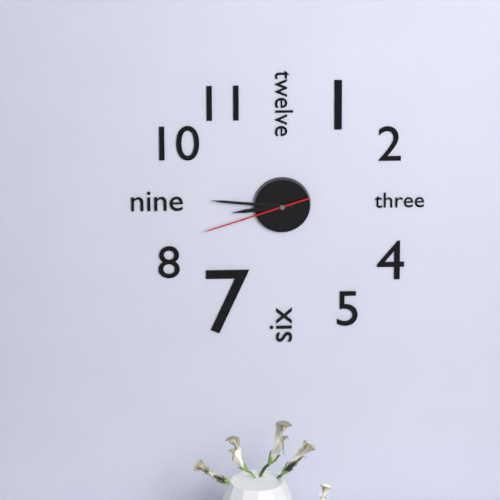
8h46m42s
